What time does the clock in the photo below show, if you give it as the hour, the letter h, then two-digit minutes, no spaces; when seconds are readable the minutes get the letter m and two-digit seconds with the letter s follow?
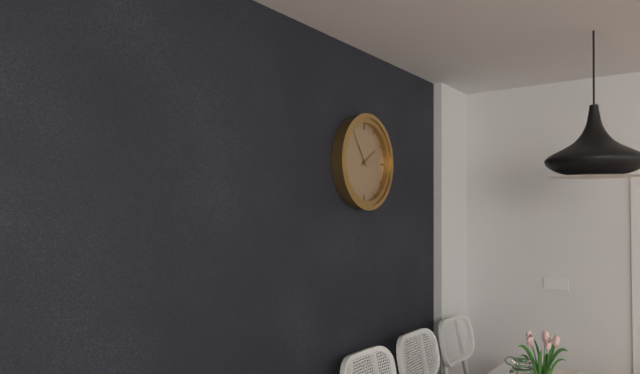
1h54
